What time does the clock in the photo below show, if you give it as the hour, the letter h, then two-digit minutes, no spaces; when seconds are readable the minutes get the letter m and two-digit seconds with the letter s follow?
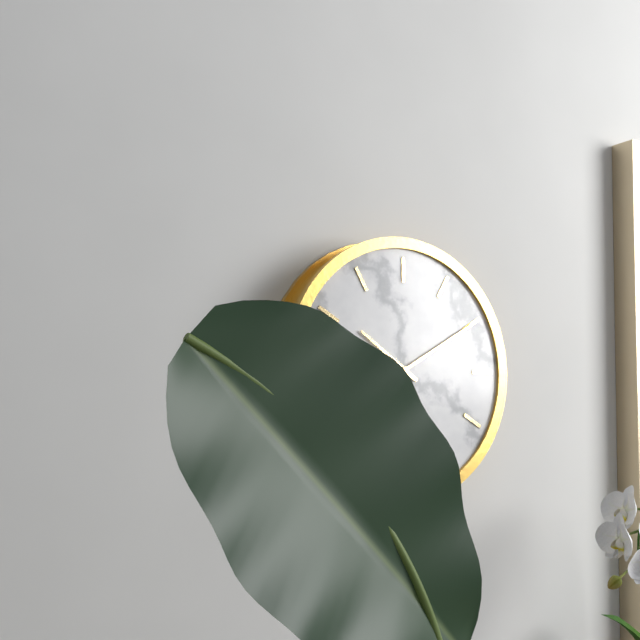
10h10
